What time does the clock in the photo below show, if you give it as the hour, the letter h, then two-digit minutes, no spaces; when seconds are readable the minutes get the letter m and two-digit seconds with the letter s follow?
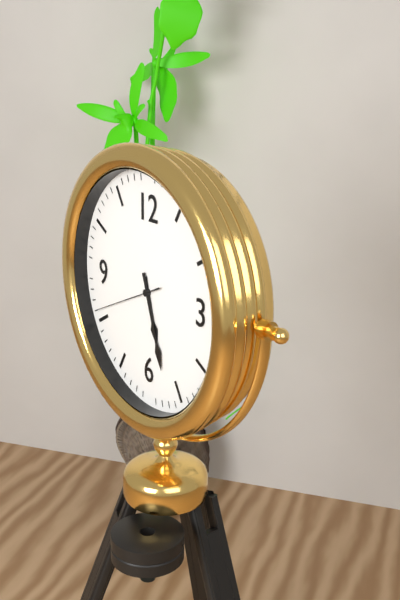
5h27m41s
